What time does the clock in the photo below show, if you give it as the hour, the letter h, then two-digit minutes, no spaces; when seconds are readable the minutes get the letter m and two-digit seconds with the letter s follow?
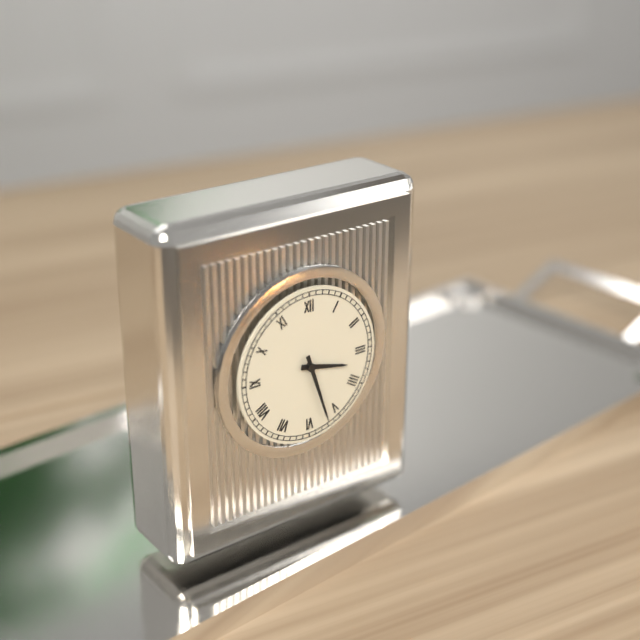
3h27
